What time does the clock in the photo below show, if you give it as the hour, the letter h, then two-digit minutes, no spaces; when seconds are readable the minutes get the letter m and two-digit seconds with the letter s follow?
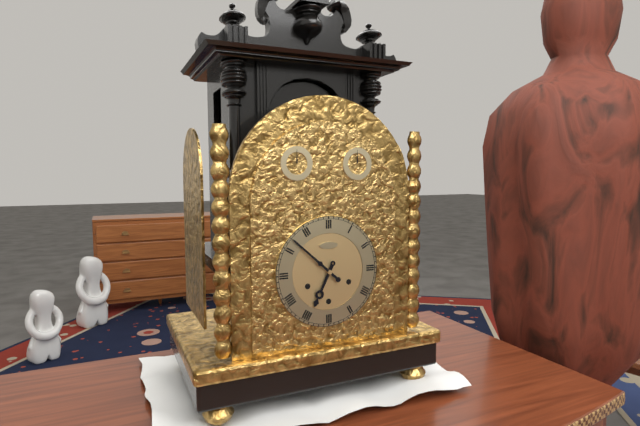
6h52
